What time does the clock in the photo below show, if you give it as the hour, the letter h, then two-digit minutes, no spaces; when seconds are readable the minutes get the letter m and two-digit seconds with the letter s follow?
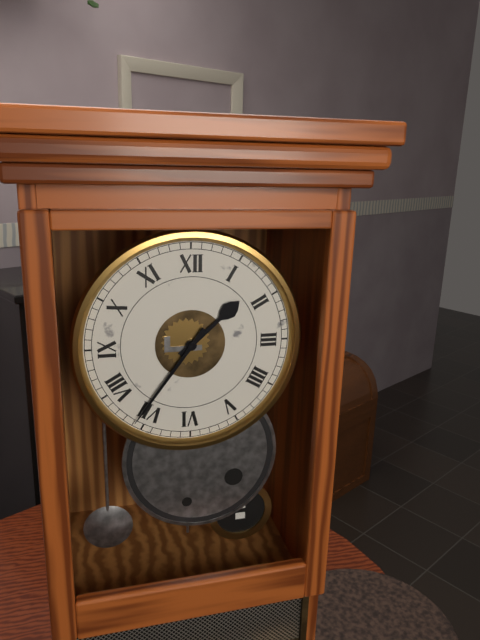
1h36
